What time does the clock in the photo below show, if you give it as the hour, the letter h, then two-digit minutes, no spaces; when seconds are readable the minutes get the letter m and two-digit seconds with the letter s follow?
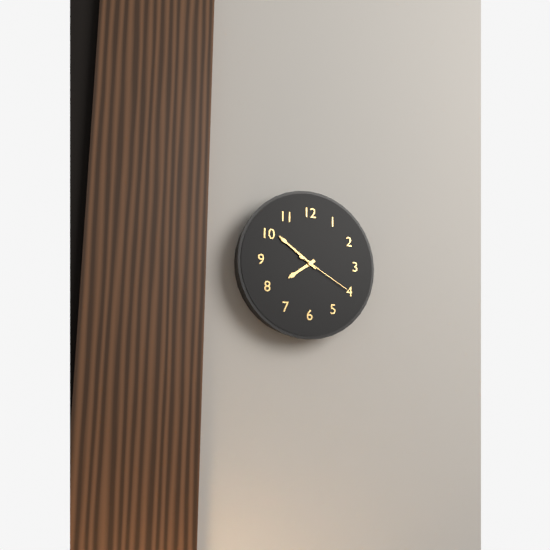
7h51m20s
